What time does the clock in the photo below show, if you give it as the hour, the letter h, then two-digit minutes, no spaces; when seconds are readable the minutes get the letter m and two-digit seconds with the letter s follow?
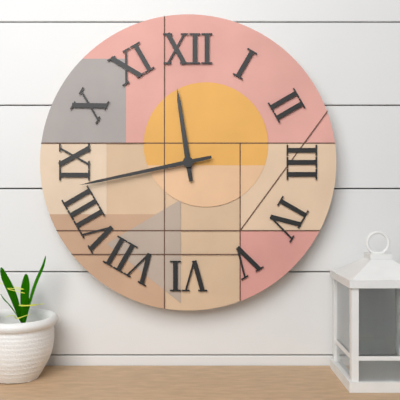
11h43
